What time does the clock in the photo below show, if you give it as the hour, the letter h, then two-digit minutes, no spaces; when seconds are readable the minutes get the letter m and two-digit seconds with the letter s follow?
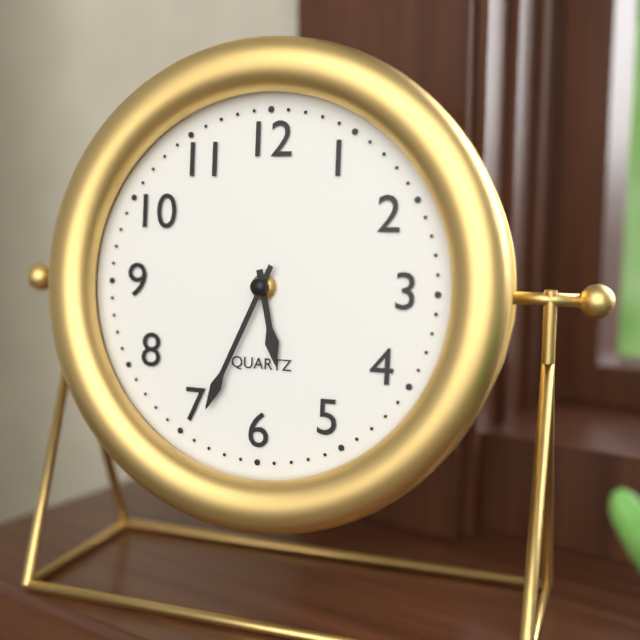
5h34
